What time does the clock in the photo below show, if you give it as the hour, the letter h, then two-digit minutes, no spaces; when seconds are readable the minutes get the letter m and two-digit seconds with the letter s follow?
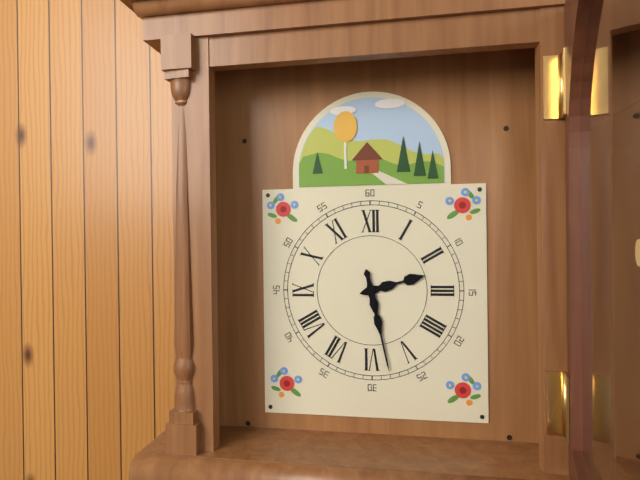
2h28
